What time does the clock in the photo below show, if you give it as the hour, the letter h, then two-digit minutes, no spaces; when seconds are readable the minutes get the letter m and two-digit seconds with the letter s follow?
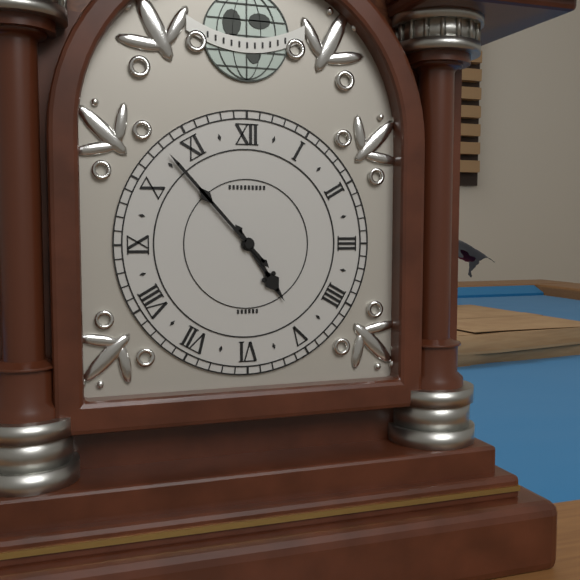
4h53
